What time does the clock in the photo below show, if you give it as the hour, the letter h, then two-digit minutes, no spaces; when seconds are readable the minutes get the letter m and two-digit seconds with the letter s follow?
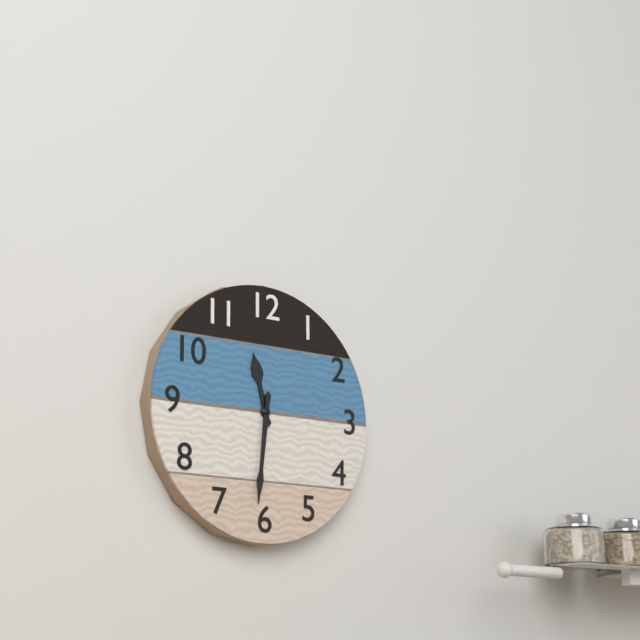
11h31
